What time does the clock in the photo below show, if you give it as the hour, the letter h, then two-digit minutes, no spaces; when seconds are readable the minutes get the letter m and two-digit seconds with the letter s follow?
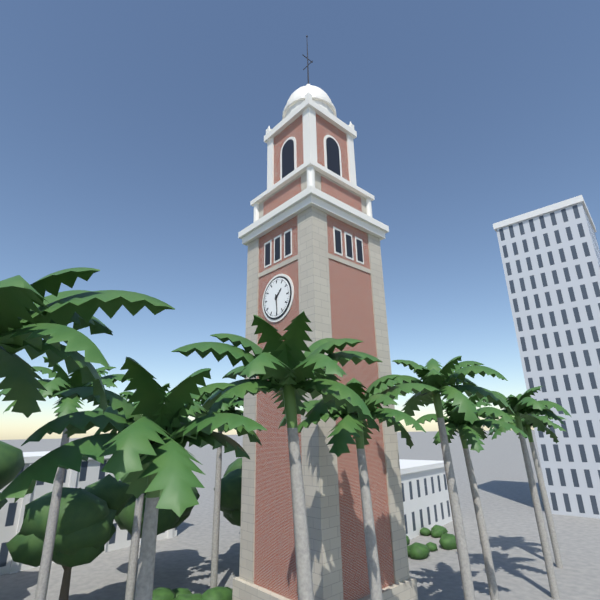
1h29
